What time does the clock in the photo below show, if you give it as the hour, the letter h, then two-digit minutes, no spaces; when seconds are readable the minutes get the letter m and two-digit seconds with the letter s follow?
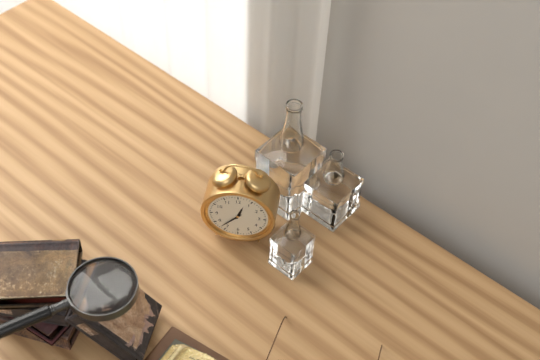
12h37
